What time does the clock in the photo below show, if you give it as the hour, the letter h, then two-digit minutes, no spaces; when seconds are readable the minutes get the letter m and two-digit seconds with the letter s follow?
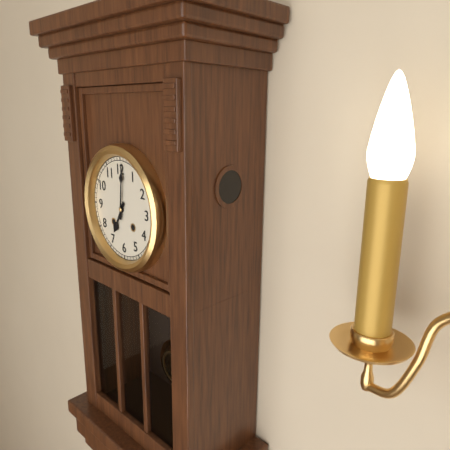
7h01
